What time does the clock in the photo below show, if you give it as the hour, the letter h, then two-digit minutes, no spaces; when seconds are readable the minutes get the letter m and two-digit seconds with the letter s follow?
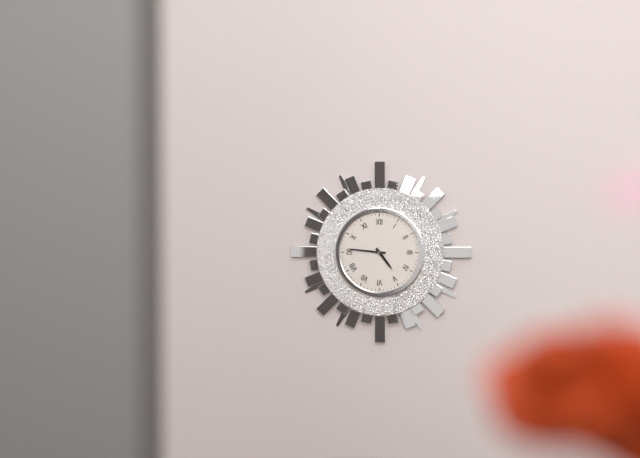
4h46
